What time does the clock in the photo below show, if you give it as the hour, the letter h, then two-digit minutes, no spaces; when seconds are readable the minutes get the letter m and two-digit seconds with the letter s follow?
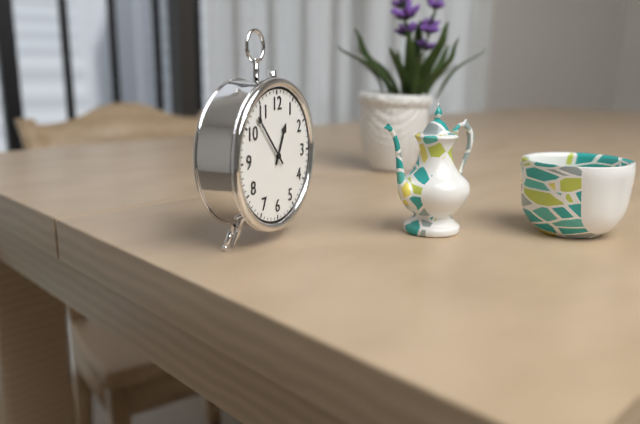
12h53
